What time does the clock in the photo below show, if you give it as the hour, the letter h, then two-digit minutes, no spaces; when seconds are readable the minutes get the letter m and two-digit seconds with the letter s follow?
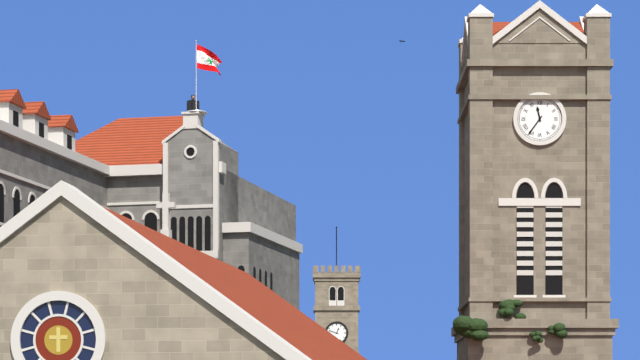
11h36
